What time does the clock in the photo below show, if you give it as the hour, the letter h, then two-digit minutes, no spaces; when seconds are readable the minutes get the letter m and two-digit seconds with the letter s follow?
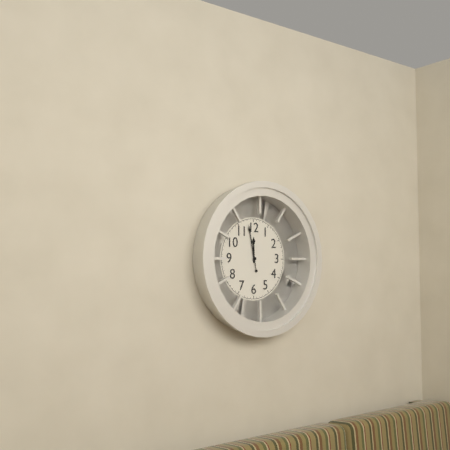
11h58
